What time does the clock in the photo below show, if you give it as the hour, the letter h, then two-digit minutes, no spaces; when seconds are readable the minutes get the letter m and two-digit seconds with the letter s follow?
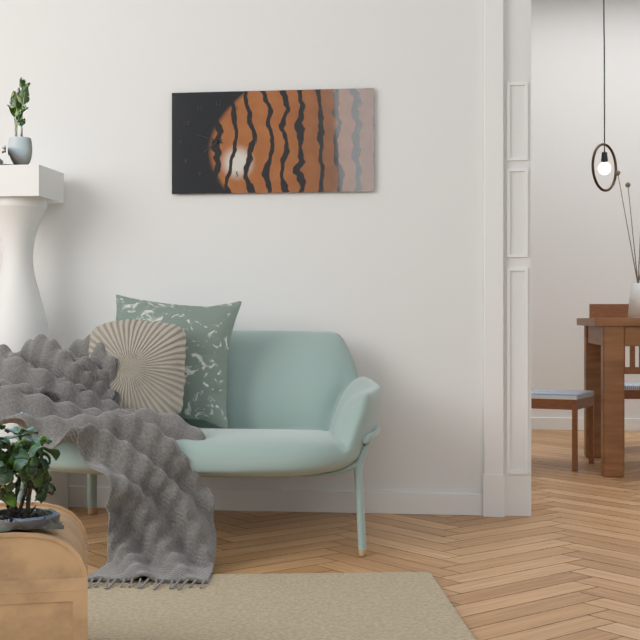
7h48
